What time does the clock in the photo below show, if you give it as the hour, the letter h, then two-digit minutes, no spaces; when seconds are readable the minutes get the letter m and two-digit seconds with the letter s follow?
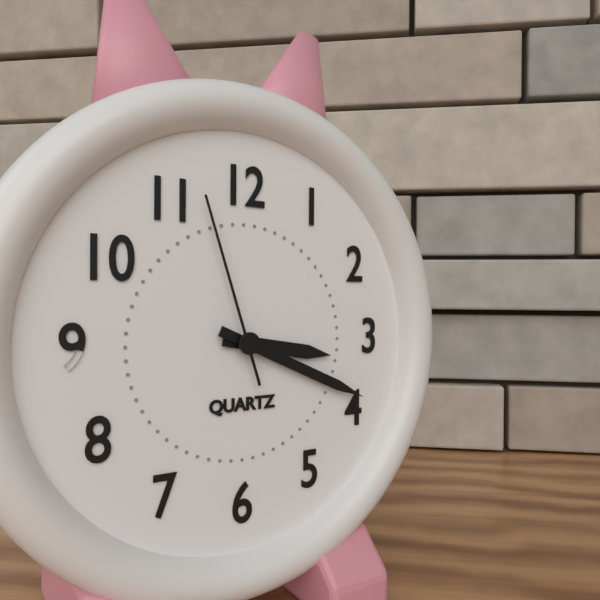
3h19m57s
